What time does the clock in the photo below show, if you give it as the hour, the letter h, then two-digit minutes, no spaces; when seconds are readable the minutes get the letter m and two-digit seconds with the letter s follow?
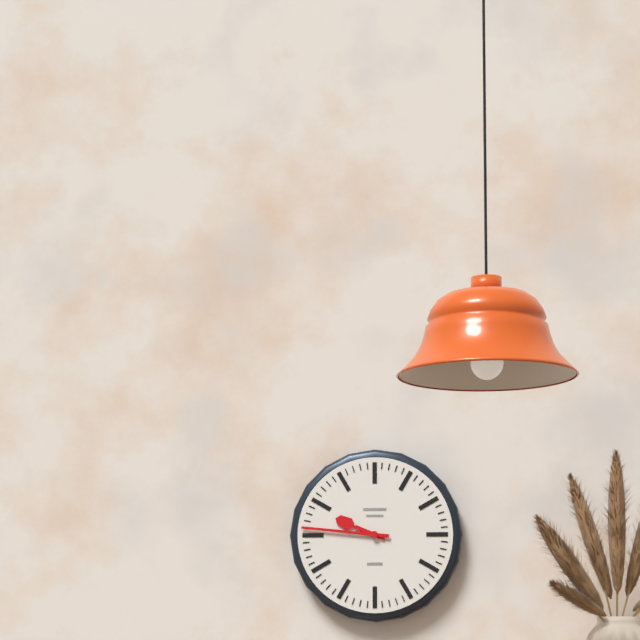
9h46
